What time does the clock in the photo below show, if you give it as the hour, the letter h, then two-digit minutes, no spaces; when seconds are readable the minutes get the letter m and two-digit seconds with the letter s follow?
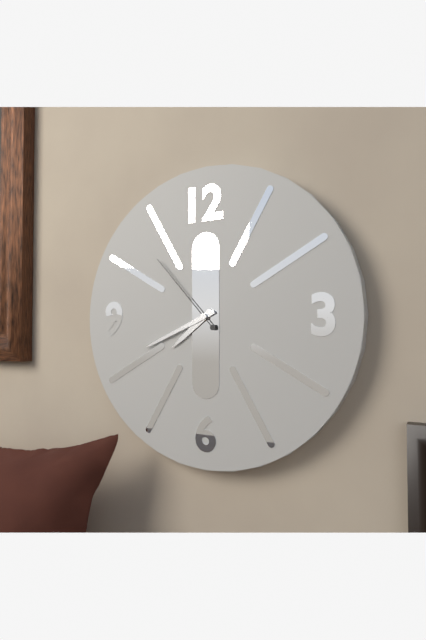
7h41m53s
